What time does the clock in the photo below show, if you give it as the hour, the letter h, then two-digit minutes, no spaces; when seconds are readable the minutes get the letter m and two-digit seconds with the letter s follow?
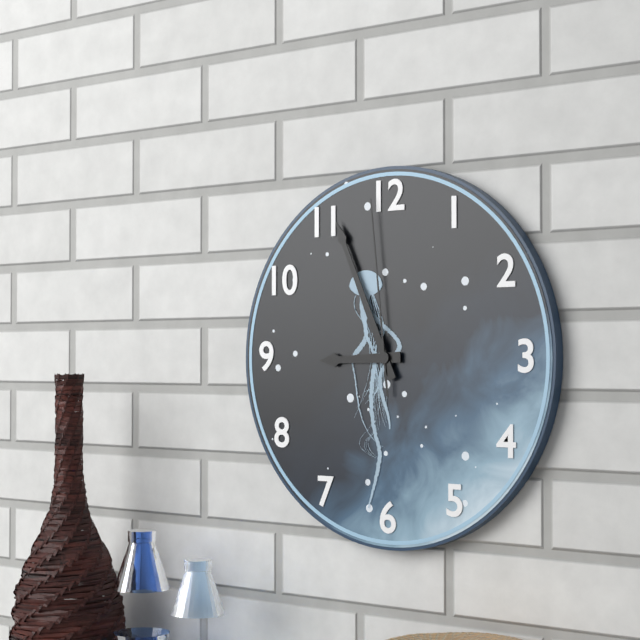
8h56m59s
